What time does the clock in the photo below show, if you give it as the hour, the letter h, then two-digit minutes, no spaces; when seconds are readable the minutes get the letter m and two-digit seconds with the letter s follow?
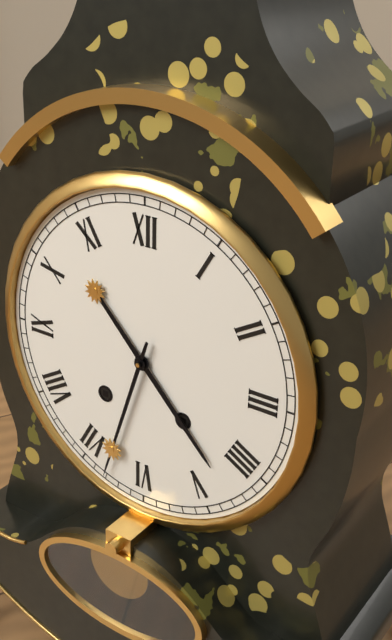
4h33
